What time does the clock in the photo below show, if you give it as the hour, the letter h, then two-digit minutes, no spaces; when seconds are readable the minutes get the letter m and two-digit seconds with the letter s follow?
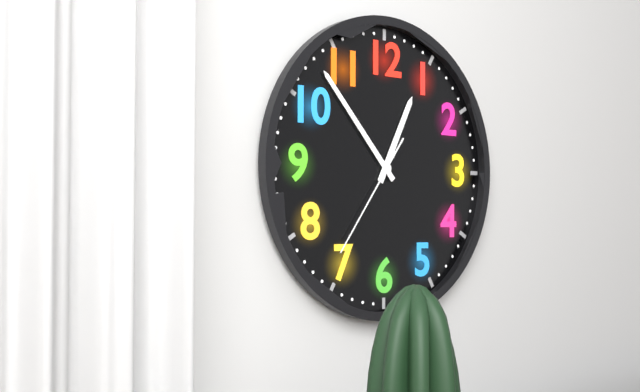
12h53m36s
